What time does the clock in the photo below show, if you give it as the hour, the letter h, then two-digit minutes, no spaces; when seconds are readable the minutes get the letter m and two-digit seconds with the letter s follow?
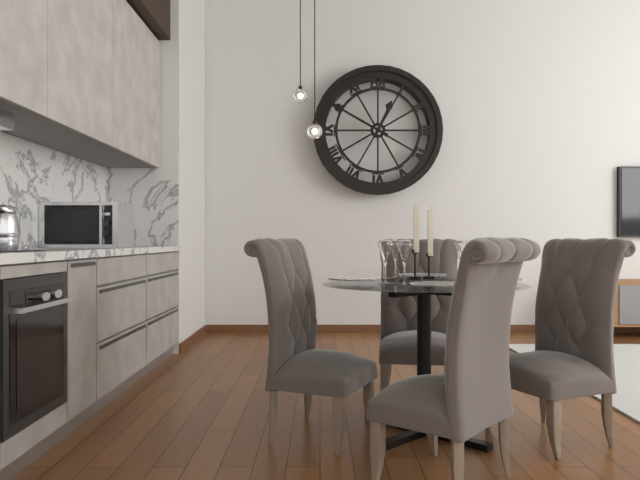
12h50
